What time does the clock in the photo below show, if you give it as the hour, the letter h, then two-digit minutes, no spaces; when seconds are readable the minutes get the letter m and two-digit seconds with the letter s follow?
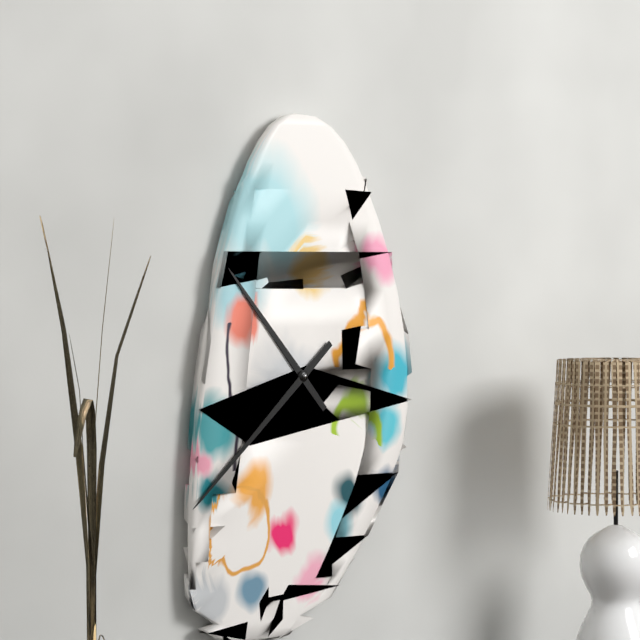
10h38
